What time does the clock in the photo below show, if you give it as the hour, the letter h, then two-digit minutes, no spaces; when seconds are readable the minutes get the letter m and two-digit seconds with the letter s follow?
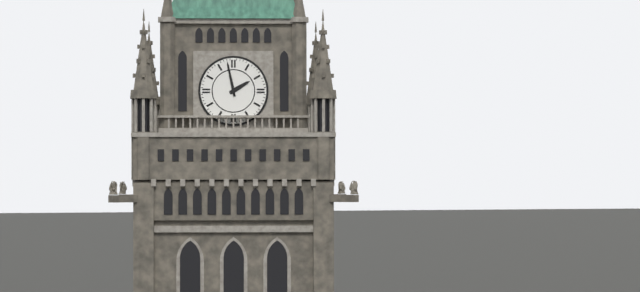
1h58
